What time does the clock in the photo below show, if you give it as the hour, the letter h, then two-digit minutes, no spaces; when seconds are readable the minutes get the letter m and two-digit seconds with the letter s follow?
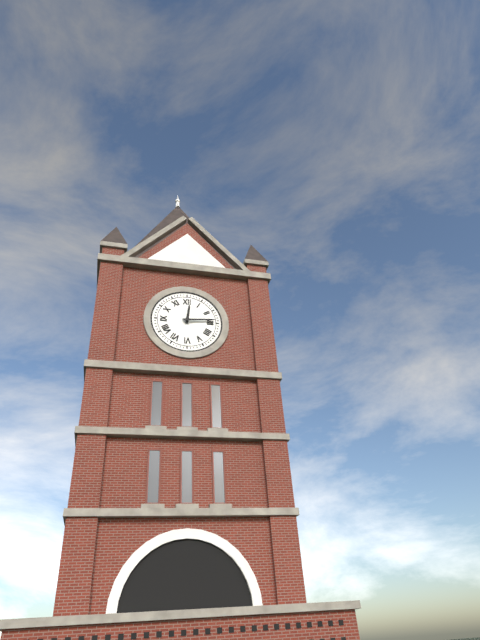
12h14
